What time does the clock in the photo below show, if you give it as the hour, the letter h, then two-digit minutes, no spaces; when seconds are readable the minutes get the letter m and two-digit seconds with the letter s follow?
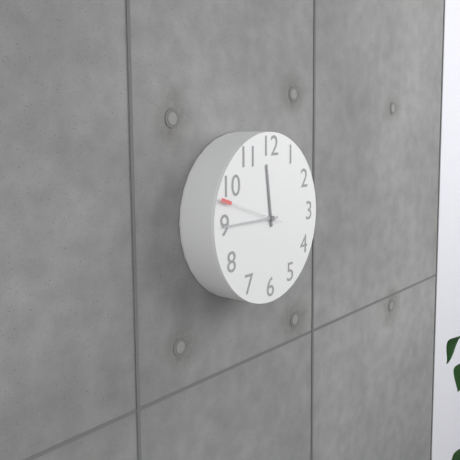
11h45m48s
